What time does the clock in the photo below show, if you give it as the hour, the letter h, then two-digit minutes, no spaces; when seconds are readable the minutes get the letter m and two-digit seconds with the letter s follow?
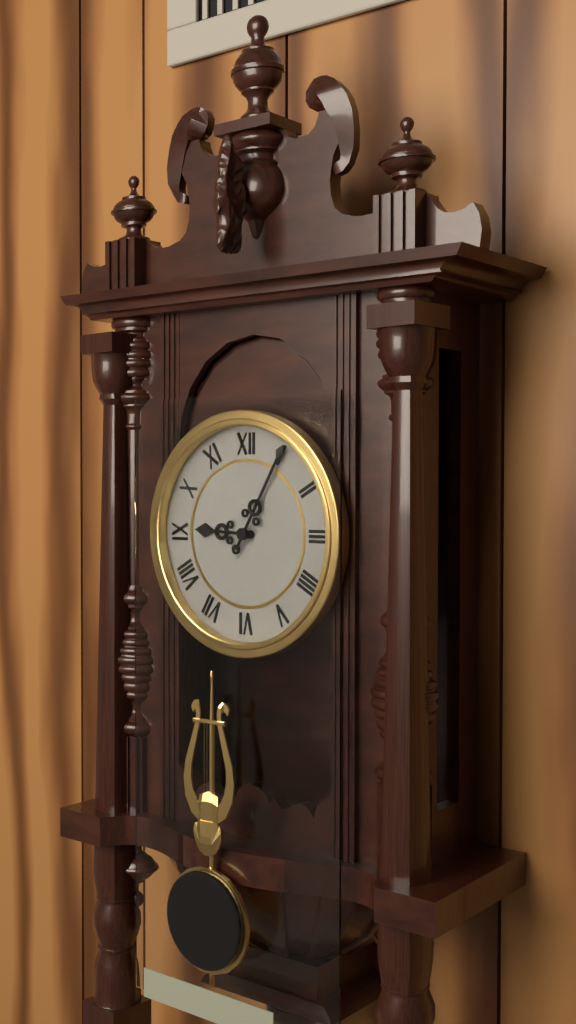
9h05
